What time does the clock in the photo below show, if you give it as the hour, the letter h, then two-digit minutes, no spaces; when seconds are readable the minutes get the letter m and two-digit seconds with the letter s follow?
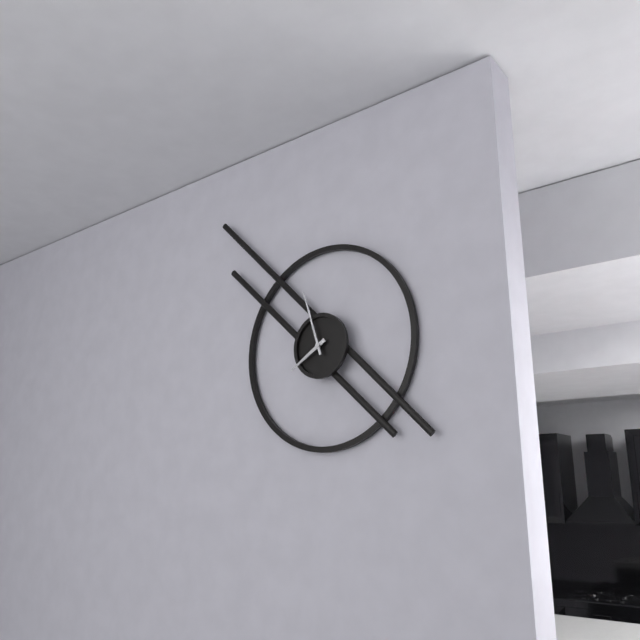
7h57
